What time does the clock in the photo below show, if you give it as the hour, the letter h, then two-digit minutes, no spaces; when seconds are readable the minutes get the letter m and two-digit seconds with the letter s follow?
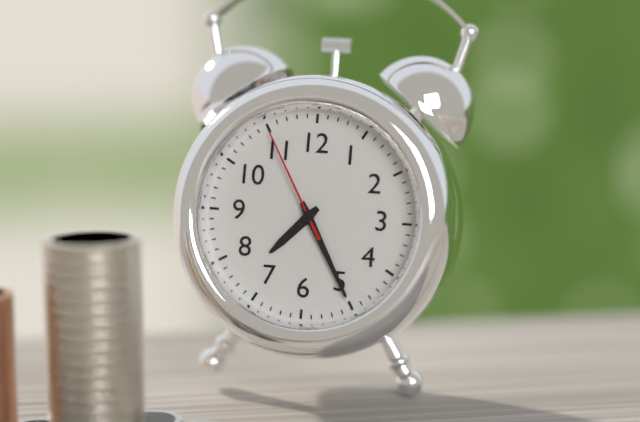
7h25m55s
